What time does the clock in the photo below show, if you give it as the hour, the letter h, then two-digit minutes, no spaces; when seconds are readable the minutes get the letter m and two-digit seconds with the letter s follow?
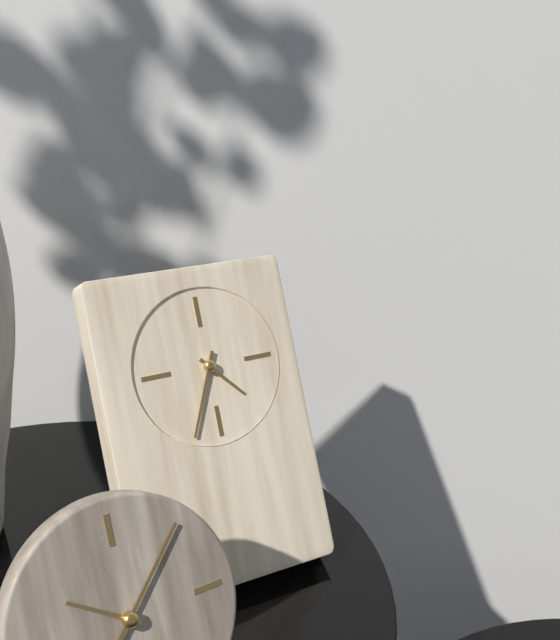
4h34
